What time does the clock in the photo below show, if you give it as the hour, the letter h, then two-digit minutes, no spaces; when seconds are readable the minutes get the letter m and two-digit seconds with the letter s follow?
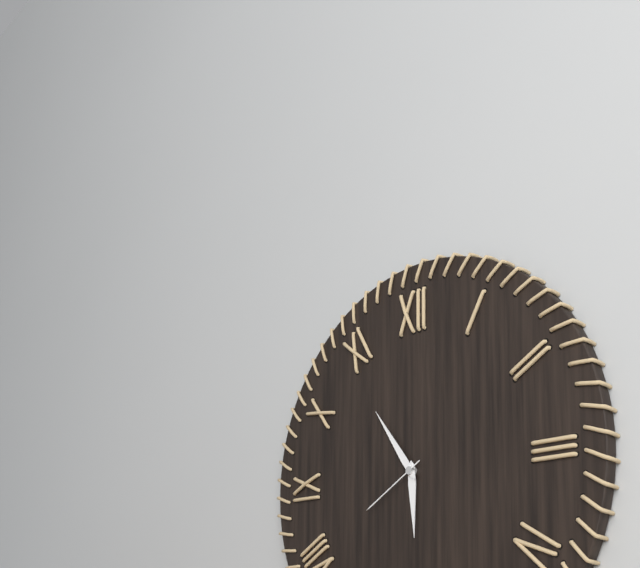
5h54m40s
